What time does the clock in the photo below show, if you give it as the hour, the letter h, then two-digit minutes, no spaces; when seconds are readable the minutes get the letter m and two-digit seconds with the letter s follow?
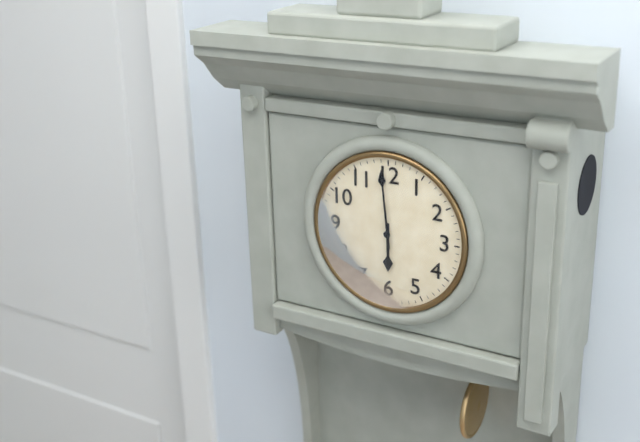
5h59
